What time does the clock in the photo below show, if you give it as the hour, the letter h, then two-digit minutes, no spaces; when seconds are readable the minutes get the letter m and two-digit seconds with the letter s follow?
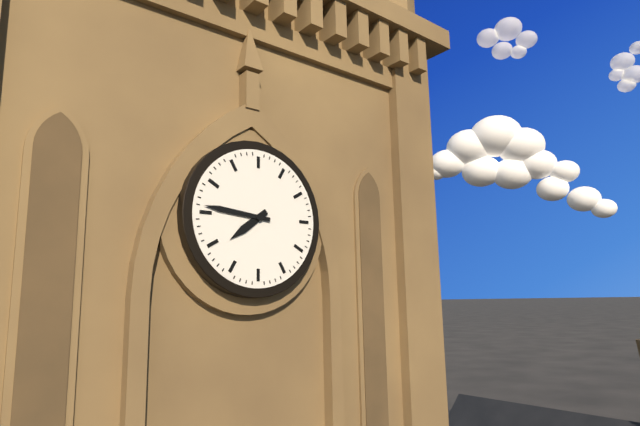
7h46
